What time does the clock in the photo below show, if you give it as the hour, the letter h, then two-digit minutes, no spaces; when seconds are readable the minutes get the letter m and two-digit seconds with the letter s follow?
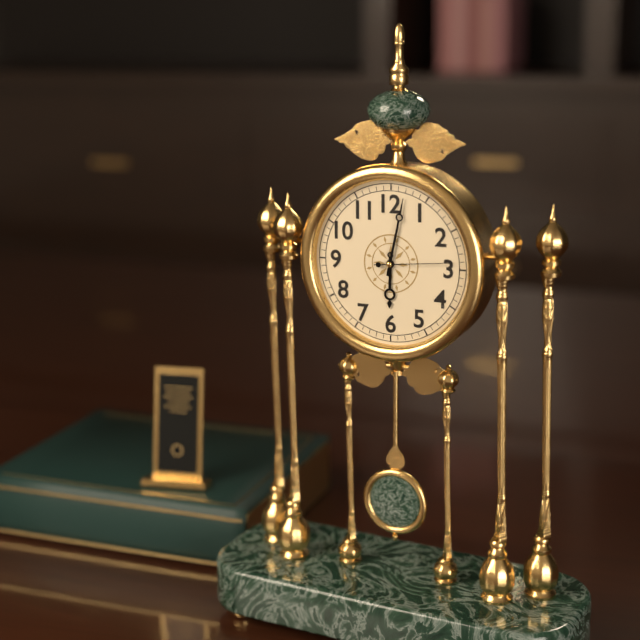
6h02m14s
